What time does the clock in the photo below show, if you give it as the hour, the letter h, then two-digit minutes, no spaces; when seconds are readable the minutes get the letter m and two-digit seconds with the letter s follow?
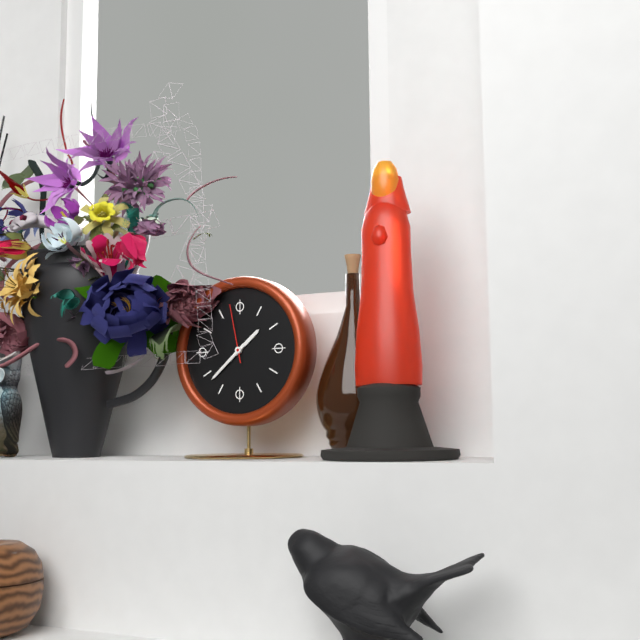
1h38m58s
